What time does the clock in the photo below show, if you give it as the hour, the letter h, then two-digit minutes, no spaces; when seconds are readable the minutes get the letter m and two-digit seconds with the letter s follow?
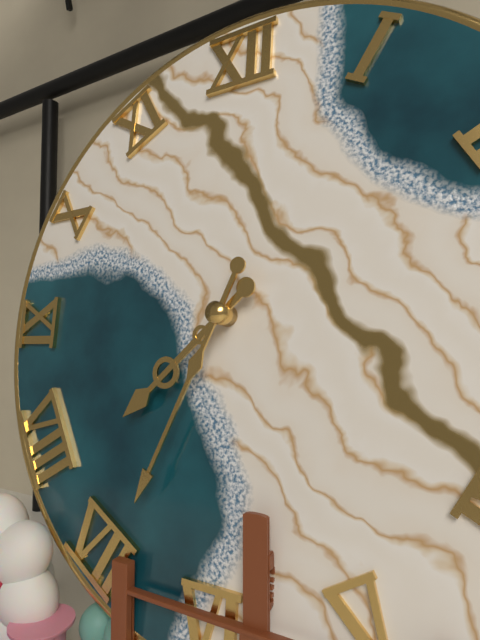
7h34
